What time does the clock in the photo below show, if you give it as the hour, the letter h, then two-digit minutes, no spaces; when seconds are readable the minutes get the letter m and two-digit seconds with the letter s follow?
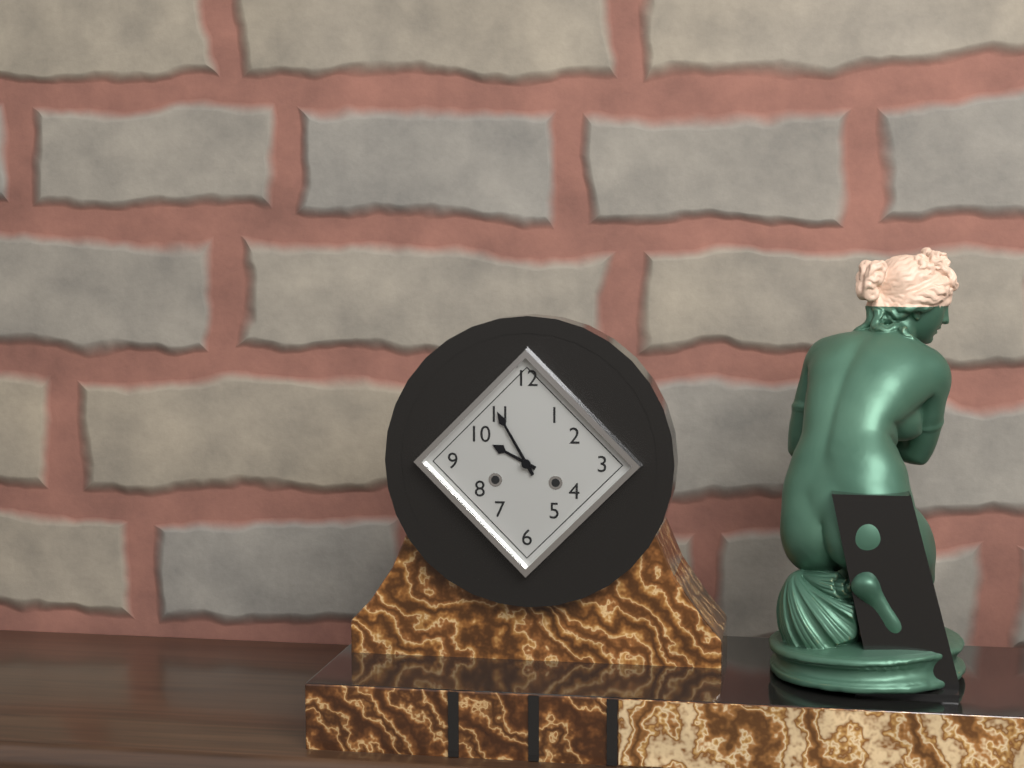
9h55
